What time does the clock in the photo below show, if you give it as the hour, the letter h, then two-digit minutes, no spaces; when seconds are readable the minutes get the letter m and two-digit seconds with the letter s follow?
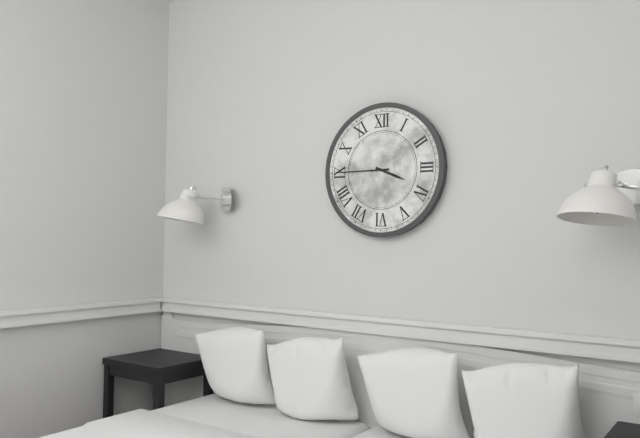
3h45
